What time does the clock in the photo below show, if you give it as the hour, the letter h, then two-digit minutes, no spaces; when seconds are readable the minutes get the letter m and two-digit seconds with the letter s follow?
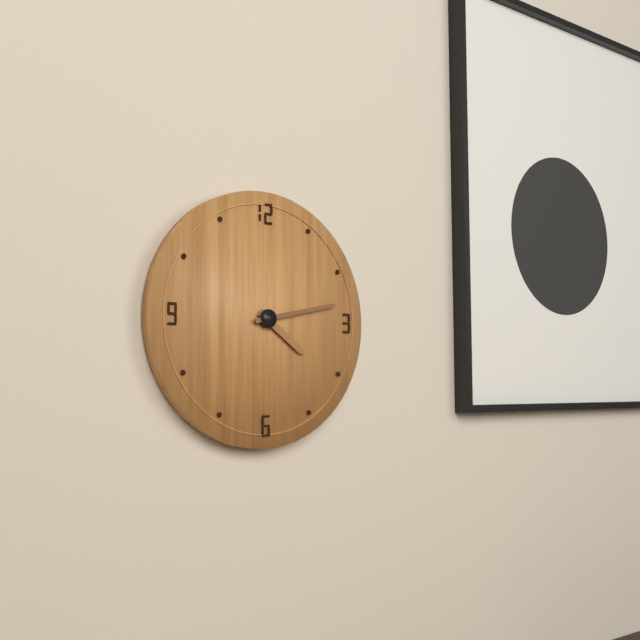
4h13
